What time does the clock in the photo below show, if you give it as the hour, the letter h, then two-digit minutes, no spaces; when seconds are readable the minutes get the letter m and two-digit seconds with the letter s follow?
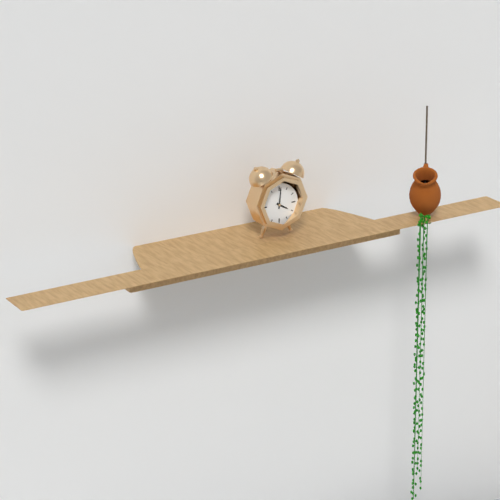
4h01
